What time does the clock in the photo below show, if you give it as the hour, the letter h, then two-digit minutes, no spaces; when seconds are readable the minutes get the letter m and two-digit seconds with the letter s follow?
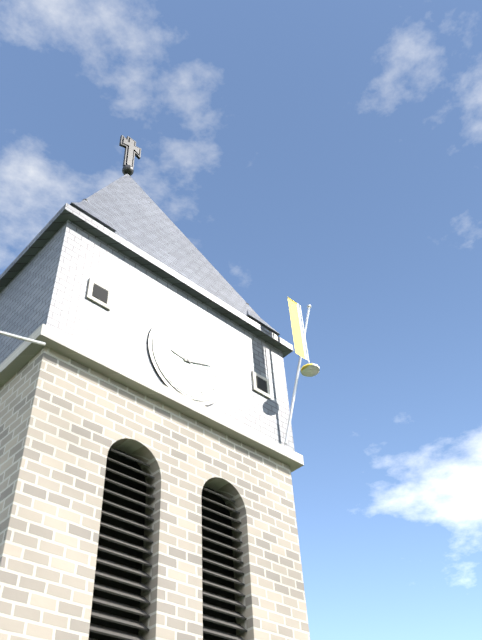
9h12
